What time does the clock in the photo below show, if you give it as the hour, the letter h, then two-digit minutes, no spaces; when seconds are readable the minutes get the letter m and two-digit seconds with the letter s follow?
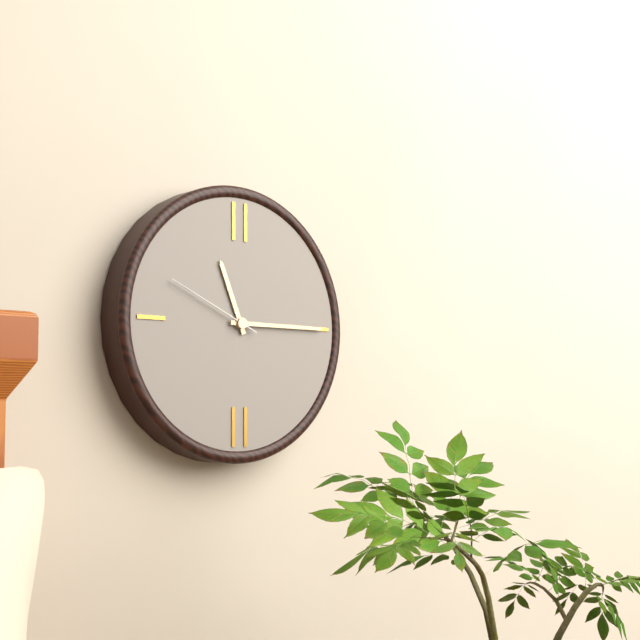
11h15m49s
